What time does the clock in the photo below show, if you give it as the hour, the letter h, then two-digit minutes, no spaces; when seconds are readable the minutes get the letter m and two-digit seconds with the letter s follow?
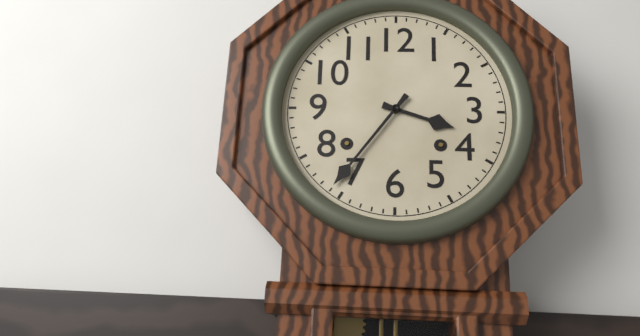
3h36
